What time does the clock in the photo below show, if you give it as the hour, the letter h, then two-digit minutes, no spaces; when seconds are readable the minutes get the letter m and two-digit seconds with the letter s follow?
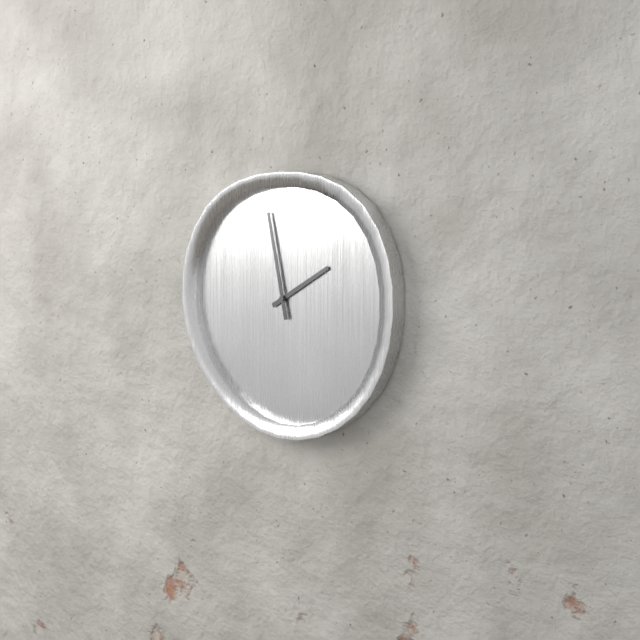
1h58
